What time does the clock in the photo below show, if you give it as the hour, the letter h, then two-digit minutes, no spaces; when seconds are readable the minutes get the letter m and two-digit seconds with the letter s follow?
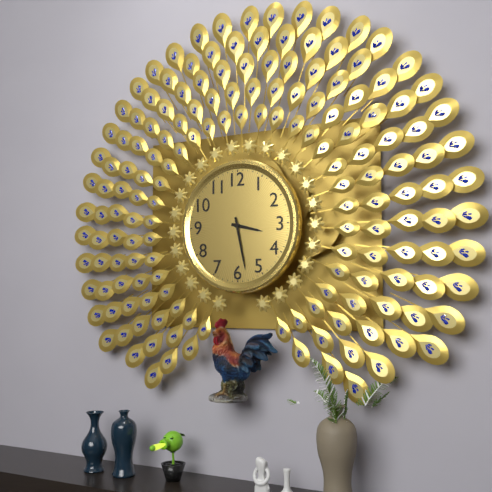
3h28
